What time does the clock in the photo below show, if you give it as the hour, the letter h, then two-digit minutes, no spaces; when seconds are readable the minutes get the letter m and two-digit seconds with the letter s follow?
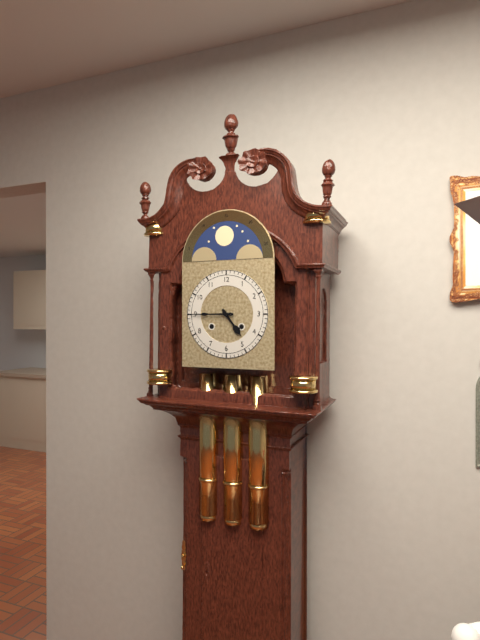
4h45
